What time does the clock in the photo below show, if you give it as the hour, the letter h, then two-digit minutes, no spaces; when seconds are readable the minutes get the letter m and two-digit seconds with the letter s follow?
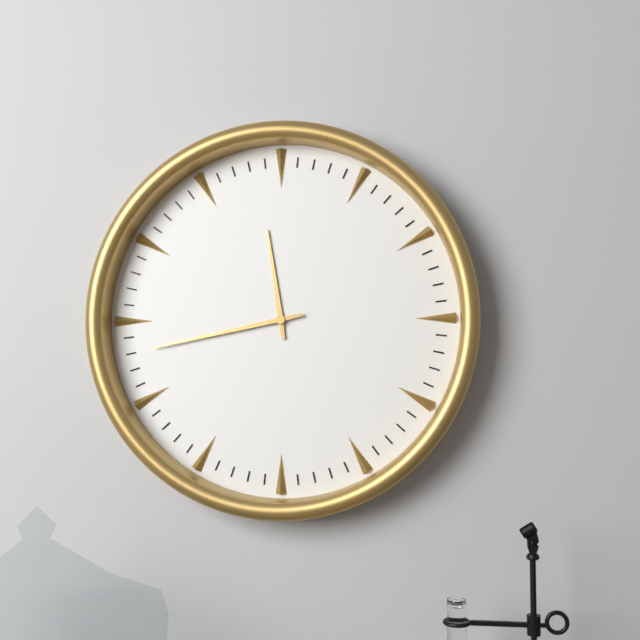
11h43
